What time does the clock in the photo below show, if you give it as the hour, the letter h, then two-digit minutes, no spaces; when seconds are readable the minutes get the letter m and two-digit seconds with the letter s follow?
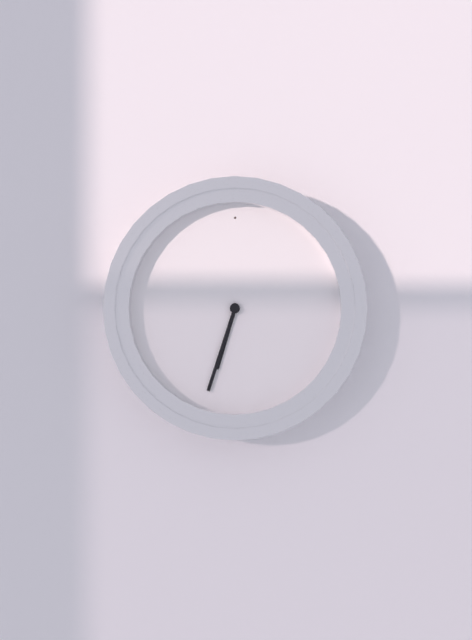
6h33
